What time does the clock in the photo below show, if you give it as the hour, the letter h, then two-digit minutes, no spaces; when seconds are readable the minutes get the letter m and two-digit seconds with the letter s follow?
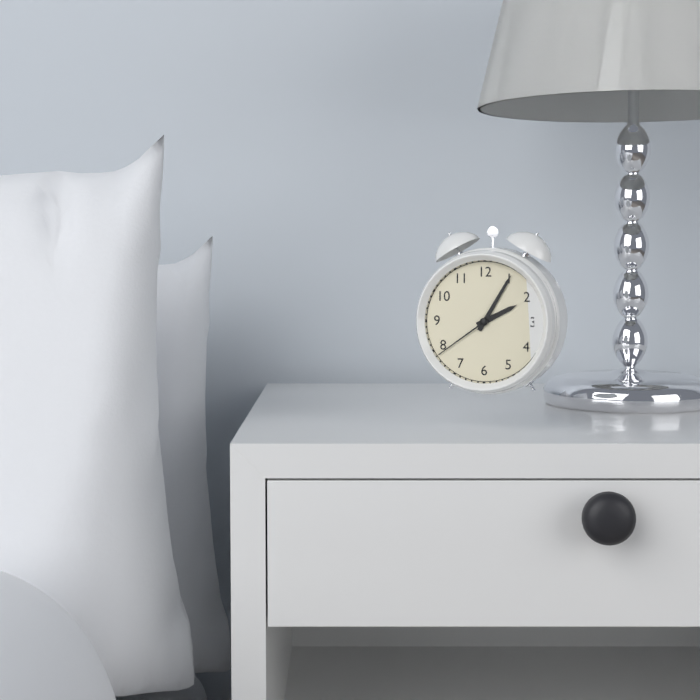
2h05m39s
